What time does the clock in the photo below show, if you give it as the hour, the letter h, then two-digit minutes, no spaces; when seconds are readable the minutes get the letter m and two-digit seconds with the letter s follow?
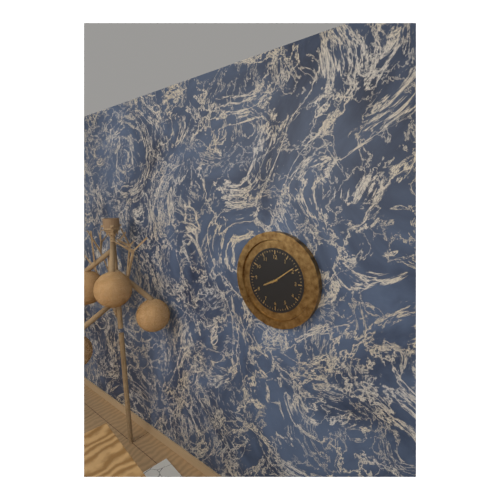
8h09
